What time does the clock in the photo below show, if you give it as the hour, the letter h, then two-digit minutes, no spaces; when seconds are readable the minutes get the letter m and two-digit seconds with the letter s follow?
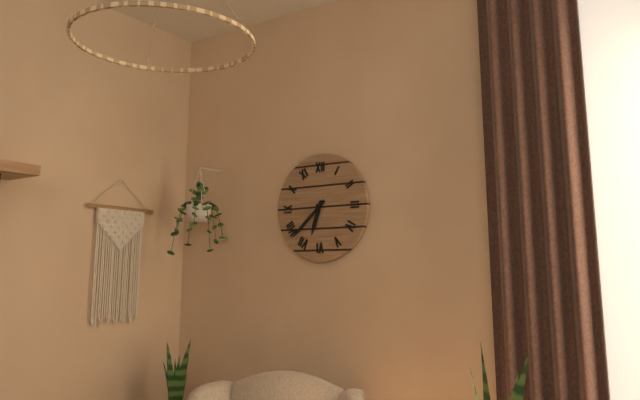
6h38
